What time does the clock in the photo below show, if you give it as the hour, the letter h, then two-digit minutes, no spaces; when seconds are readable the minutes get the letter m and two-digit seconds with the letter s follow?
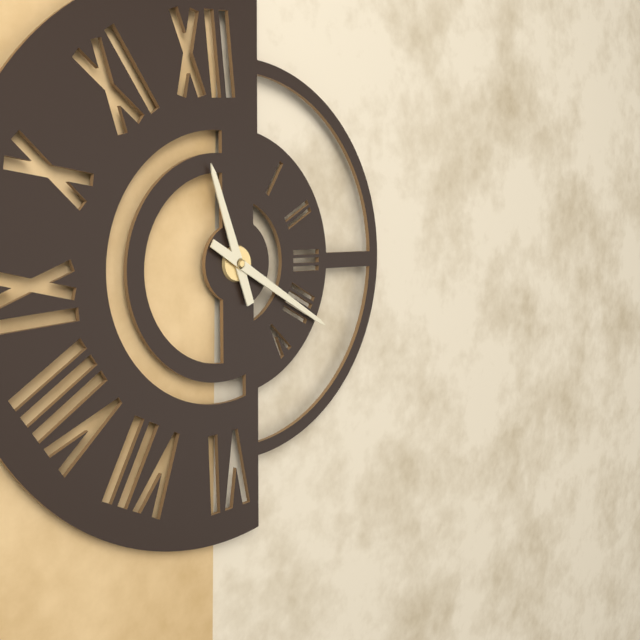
11h20
